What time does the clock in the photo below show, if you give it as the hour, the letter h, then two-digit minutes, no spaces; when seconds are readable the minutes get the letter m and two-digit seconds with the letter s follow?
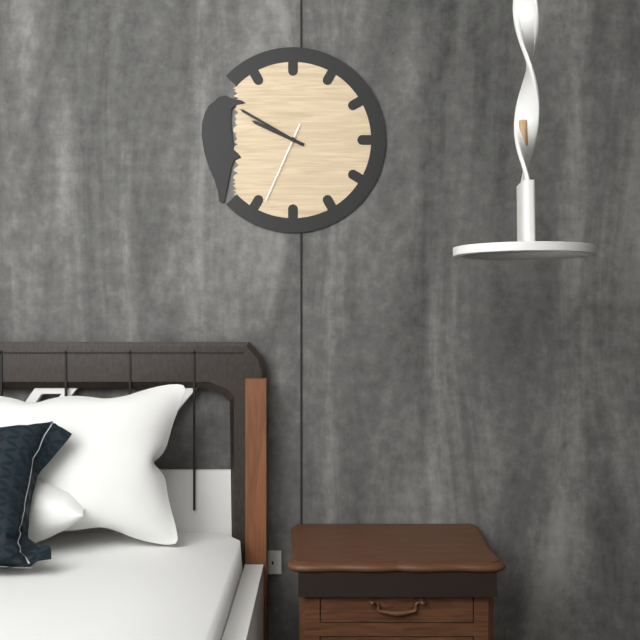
9h50m34s
